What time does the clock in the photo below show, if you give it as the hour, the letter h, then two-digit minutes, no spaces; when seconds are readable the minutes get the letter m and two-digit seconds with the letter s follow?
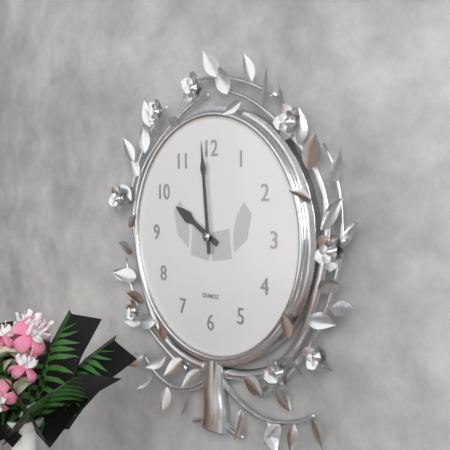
9h59
